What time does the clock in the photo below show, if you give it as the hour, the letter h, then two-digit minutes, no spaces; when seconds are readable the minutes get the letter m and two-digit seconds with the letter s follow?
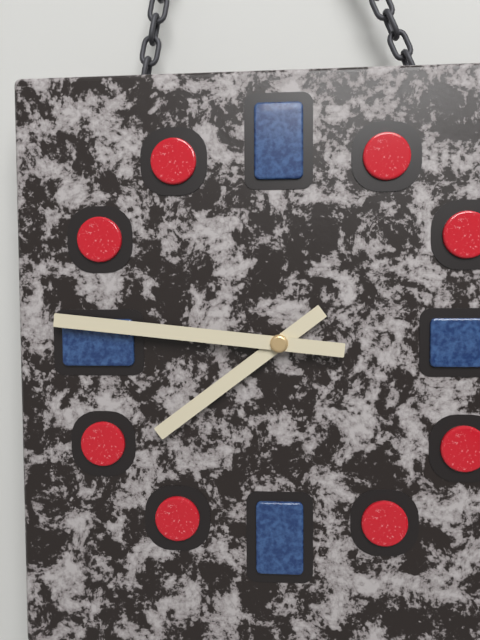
7h46
